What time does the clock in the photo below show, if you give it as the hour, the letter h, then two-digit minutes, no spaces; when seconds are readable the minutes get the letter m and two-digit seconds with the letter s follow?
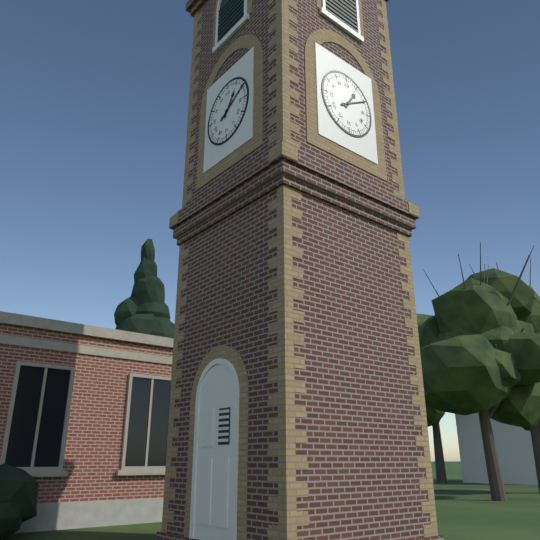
1h10
